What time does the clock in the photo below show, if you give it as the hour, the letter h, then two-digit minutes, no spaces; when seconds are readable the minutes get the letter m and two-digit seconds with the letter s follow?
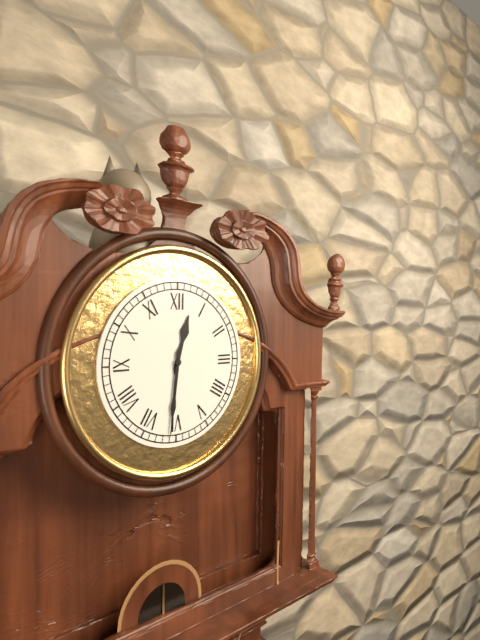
12h31
